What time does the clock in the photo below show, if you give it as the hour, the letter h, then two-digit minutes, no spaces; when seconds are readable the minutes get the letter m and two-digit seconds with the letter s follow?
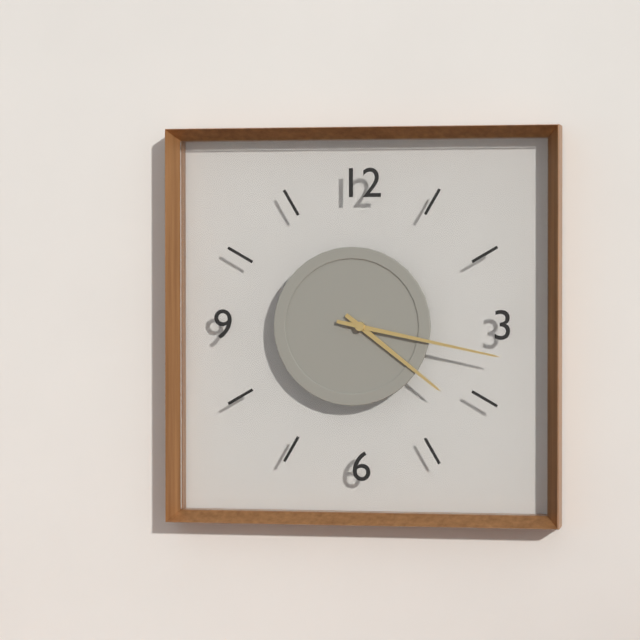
4h17
